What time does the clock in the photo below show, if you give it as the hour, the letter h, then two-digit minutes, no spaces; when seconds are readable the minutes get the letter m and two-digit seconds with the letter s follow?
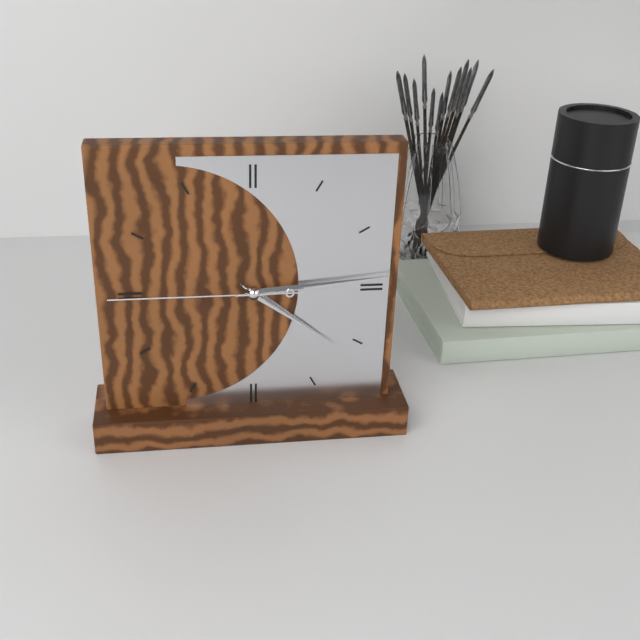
4h14m45s
